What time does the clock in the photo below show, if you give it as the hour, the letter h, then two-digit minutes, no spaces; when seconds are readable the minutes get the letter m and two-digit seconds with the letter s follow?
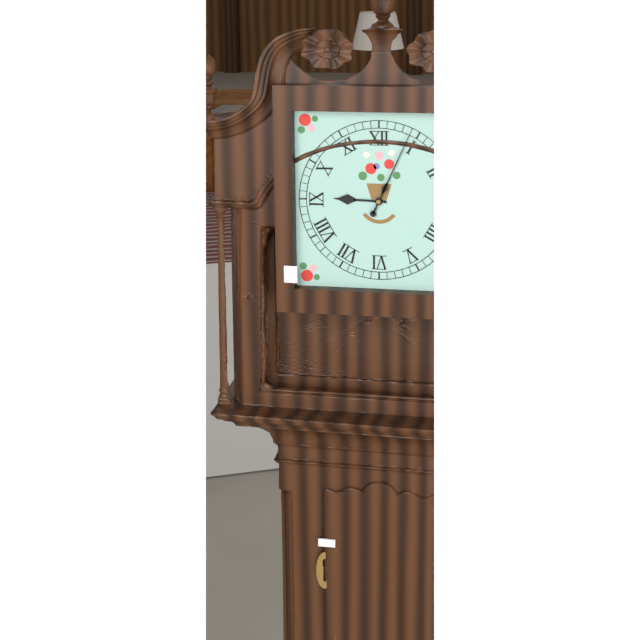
9h04
